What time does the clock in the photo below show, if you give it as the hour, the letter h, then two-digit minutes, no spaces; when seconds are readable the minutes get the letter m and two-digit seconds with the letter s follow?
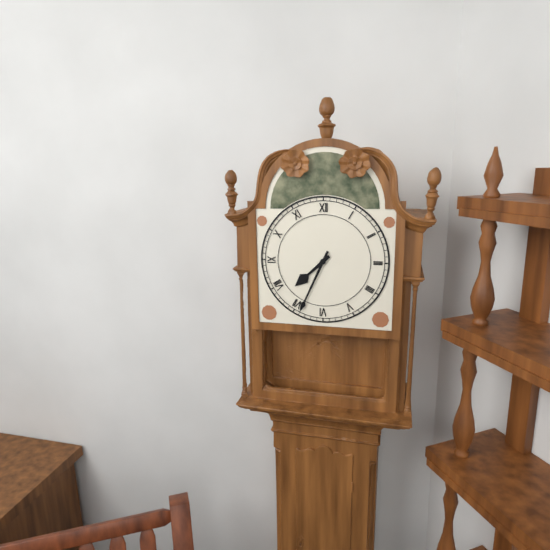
7h34
